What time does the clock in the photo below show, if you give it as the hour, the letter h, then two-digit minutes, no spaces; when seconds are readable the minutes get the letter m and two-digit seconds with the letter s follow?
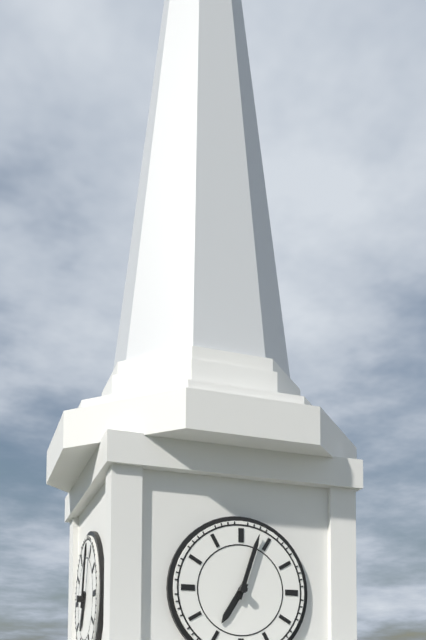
7h03
